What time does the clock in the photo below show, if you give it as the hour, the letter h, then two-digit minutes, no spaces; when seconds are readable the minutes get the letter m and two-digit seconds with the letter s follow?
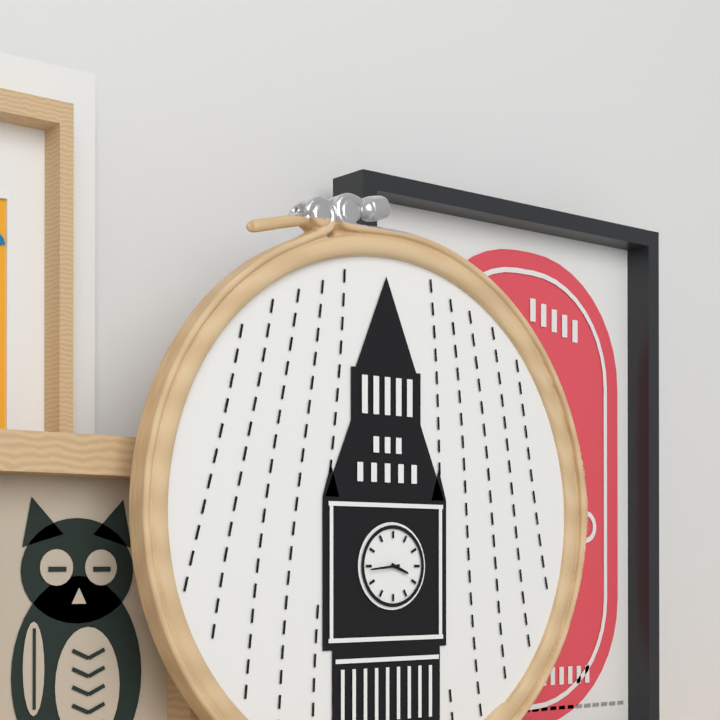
3h44
